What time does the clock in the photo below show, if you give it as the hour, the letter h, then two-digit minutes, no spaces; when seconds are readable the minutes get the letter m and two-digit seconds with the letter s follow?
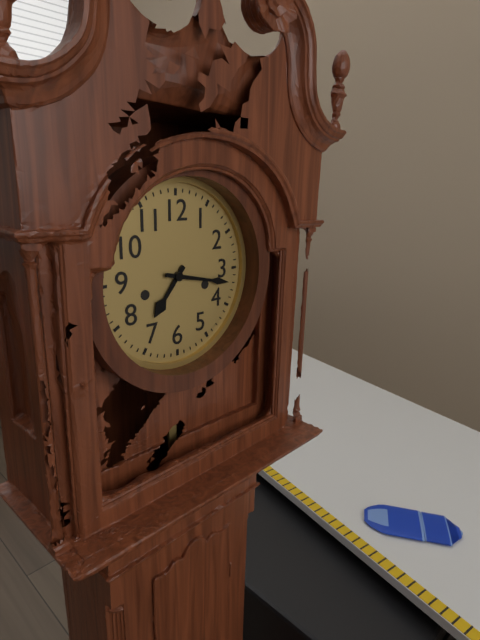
7h17
